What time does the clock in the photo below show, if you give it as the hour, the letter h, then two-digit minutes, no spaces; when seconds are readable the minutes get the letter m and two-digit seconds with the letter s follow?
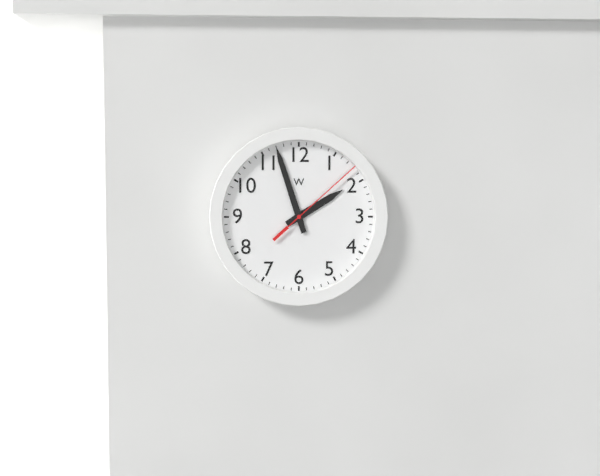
1h57m08s
